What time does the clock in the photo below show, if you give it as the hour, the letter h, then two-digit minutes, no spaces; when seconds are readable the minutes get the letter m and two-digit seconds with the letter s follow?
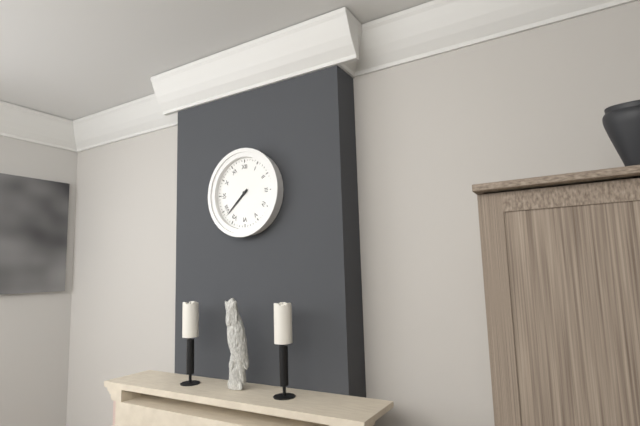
7h38
